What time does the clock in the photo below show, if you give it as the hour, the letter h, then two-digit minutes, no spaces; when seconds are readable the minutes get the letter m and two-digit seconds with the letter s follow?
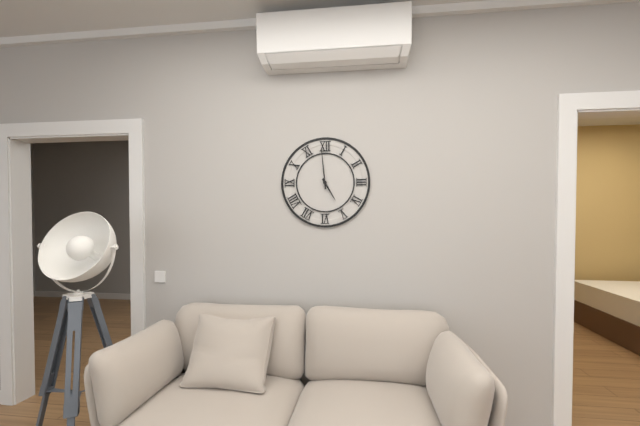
4h59
